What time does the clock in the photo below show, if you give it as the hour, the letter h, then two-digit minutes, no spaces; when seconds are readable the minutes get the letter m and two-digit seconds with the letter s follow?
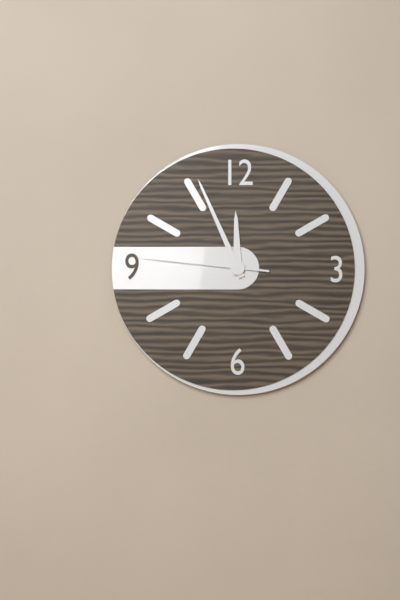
11h56m46s
